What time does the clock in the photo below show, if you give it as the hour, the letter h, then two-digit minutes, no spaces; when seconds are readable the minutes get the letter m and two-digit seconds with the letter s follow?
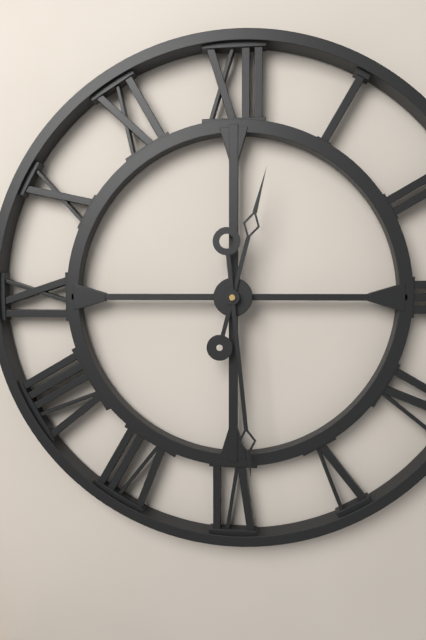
12h29
